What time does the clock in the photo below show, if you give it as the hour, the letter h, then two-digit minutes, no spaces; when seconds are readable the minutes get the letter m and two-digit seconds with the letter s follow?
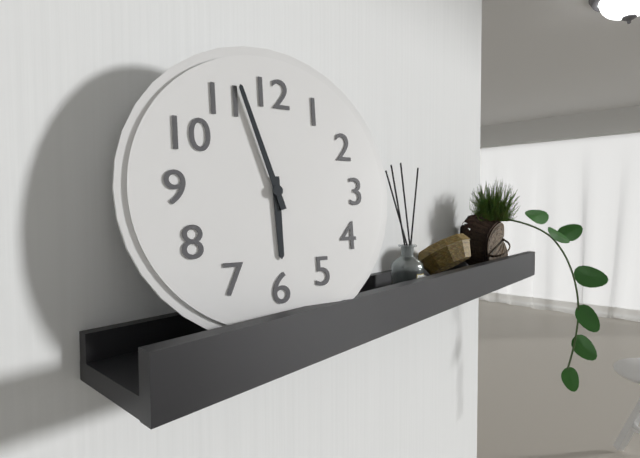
5h57
